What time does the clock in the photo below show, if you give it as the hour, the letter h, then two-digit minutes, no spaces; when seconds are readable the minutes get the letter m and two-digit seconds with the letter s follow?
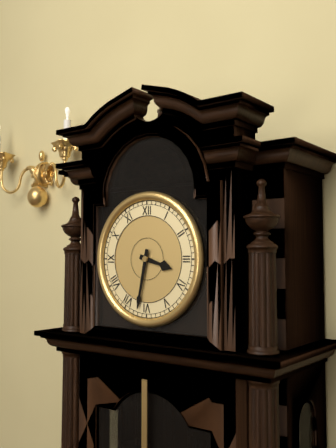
3h32
